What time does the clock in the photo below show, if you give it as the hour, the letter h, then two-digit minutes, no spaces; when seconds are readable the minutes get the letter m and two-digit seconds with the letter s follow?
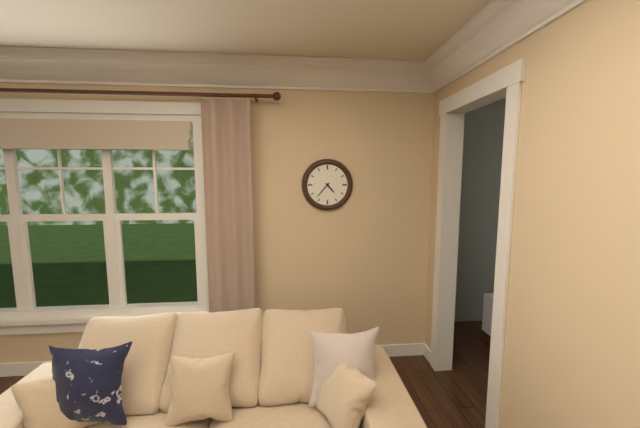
4h37
